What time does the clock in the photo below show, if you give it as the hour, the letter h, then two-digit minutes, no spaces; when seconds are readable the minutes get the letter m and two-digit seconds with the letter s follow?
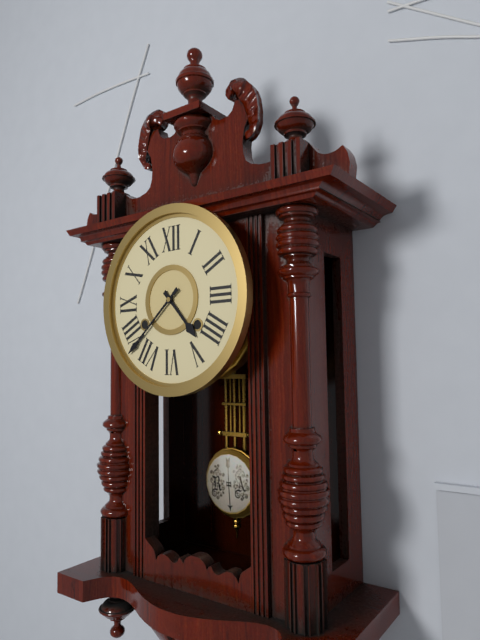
4h38
